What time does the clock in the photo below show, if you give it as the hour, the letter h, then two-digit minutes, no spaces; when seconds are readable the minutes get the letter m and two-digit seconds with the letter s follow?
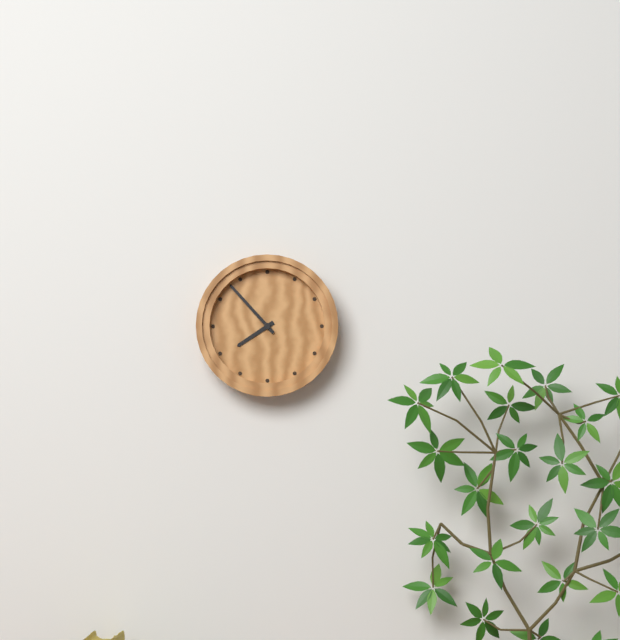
7h53
